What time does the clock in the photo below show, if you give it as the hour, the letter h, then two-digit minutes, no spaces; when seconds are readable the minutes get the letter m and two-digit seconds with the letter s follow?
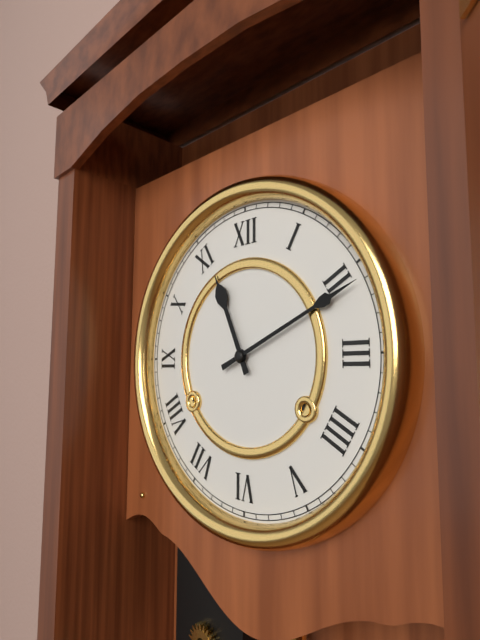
11h11
